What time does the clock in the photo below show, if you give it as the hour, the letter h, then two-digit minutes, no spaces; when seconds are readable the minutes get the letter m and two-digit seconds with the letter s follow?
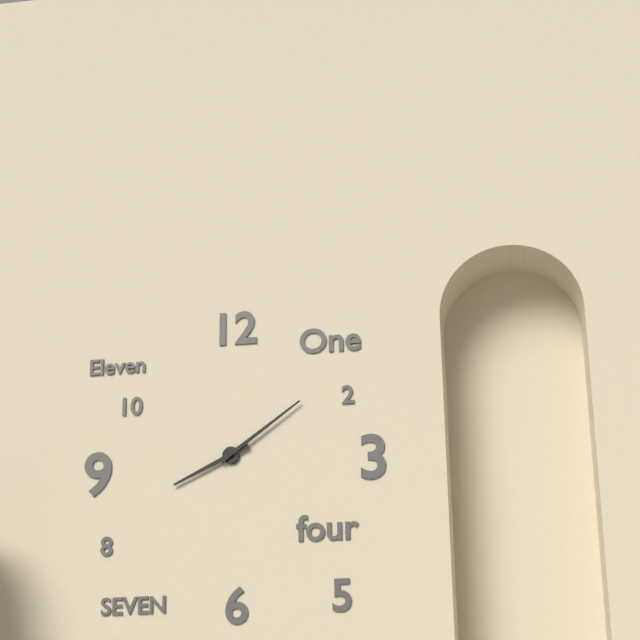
8h09
